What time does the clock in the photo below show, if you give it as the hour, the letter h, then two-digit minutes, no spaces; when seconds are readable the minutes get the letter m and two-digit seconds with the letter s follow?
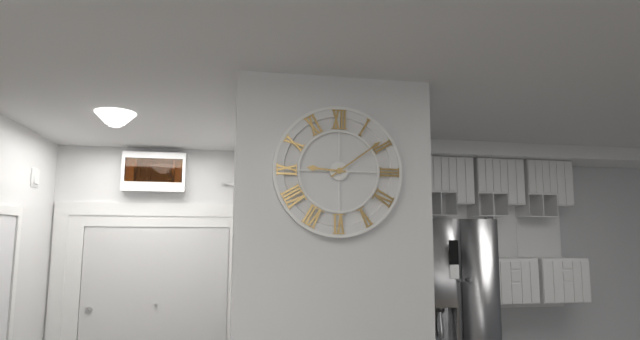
9h09
